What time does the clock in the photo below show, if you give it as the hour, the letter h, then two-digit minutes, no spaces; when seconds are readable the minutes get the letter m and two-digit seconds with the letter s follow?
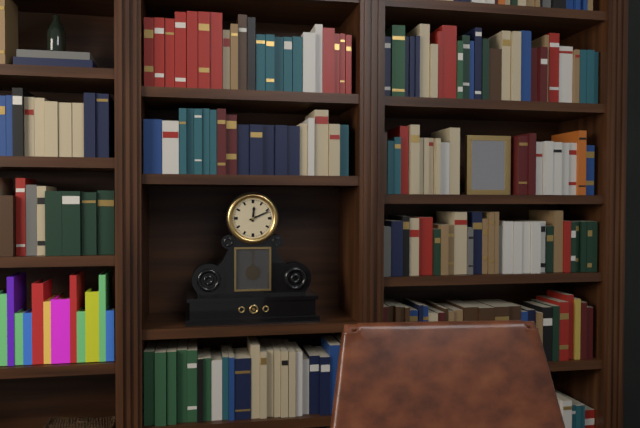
12h11
